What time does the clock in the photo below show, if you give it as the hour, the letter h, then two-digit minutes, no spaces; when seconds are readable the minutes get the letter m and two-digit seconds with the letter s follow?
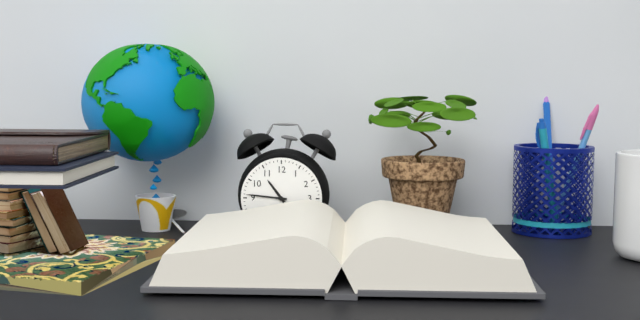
10h46
